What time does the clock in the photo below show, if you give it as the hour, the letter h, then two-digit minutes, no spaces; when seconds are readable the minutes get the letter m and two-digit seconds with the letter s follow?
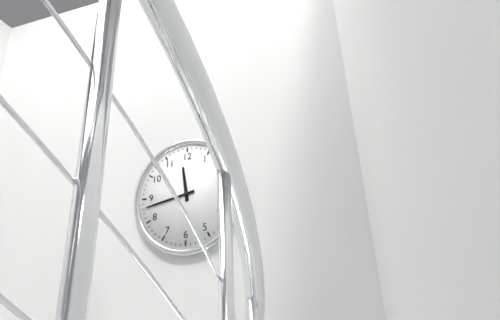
11h43
